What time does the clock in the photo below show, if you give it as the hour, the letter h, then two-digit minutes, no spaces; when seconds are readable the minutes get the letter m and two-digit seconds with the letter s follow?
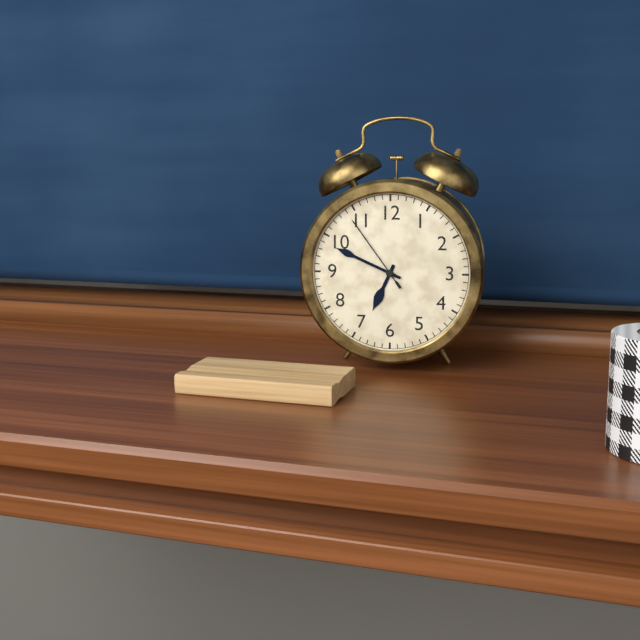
6h49m54s
